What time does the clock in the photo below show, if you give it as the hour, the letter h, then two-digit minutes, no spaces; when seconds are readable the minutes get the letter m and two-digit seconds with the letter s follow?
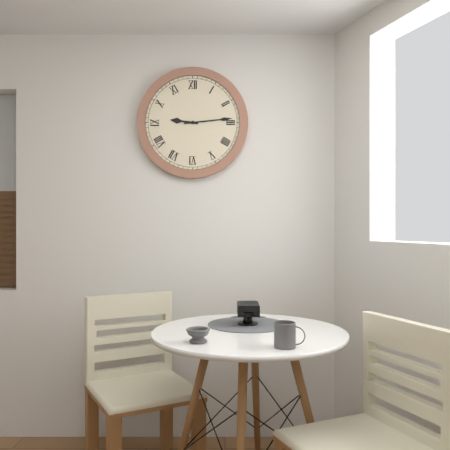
9h14
